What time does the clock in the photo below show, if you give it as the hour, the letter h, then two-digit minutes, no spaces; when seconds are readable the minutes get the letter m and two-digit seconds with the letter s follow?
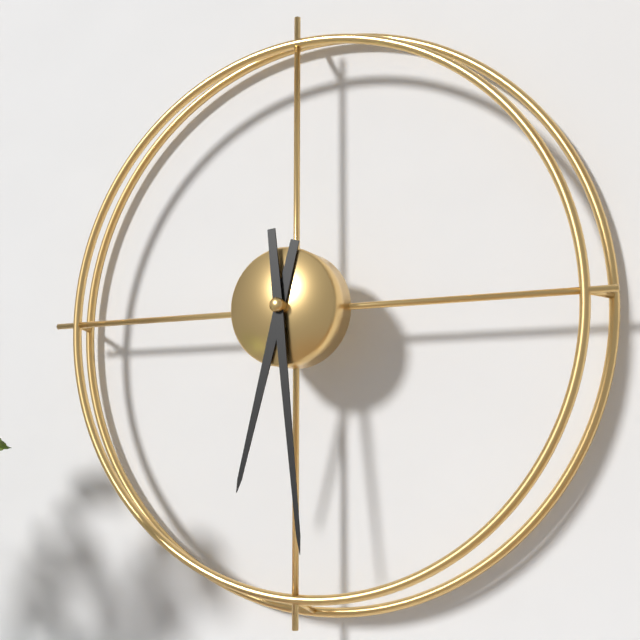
6h29
